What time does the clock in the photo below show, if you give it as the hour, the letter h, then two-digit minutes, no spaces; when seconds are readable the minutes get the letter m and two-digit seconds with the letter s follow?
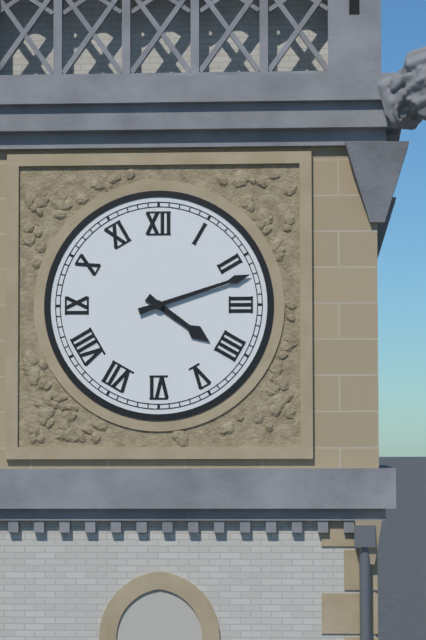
4h12
